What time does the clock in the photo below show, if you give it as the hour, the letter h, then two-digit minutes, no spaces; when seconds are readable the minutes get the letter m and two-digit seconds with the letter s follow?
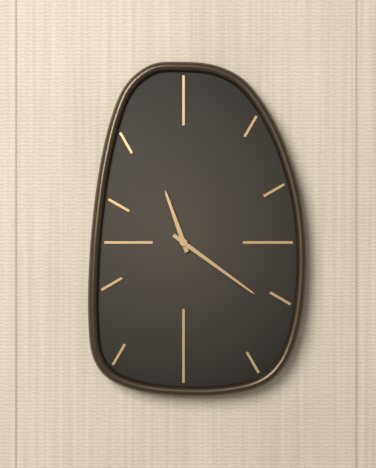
11h21
